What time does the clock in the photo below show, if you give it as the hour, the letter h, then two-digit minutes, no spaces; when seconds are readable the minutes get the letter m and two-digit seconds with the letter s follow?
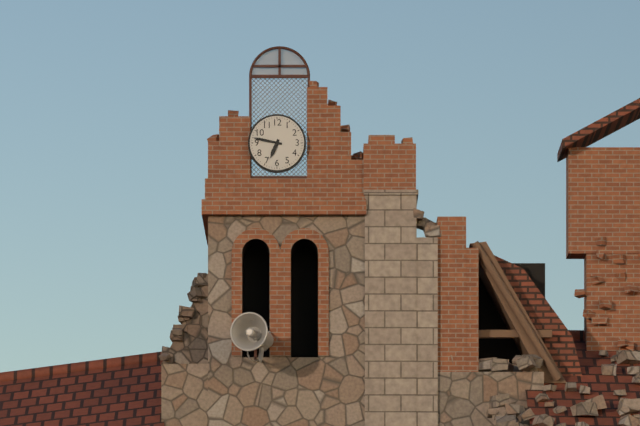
6h47
